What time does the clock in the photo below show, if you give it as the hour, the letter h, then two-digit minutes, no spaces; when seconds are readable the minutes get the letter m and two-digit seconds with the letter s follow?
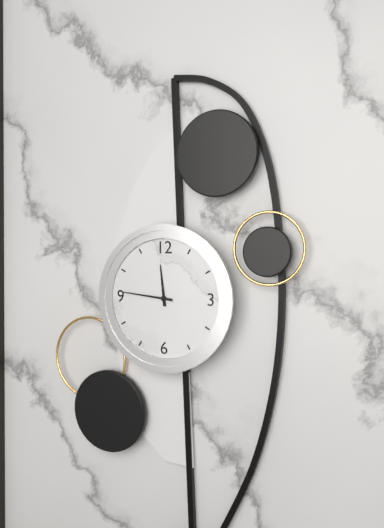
11h46
